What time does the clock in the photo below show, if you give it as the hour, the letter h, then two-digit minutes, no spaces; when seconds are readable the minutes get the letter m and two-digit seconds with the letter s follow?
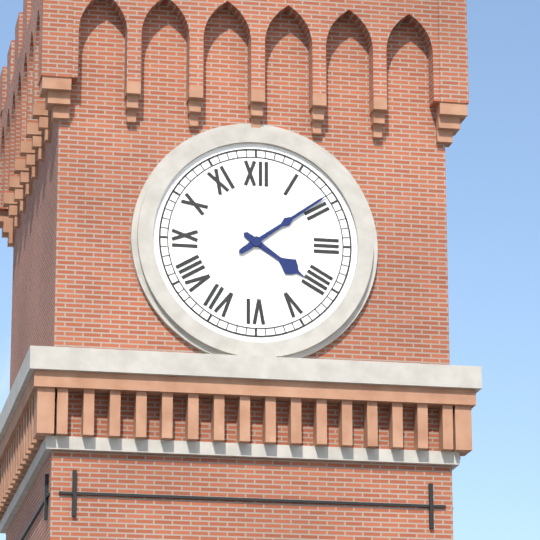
4h09
